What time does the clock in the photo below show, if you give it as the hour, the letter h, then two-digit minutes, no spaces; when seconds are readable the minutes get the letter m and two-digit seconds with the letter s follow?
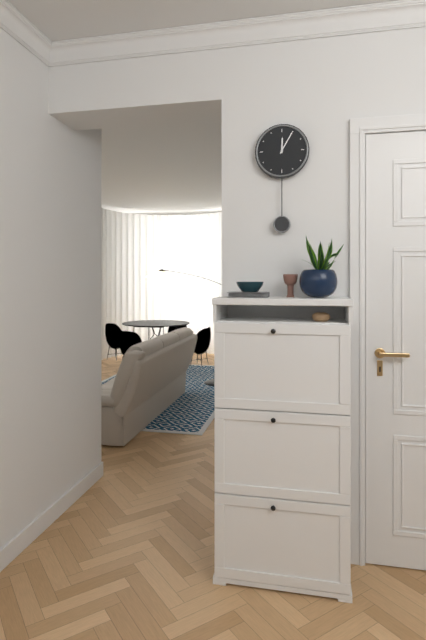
12h05
